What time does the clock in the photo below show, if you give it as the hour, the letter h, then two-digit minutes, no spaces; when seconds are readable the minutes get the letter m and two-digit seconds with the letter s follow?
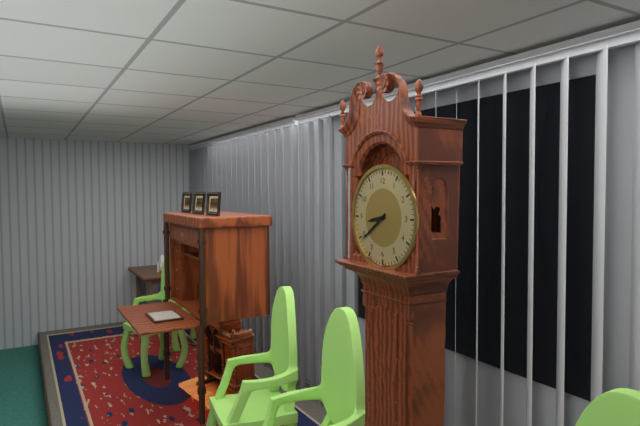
8h39
